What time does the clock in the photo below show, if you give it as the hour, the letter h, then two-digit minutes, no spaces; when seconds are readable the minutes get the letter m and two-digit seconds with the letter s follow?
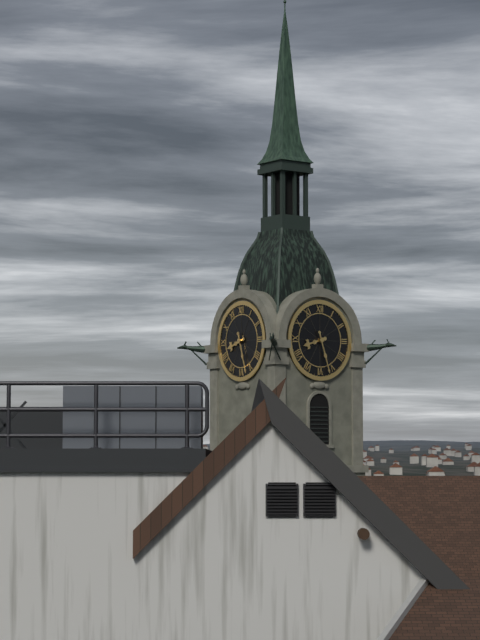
8h27
